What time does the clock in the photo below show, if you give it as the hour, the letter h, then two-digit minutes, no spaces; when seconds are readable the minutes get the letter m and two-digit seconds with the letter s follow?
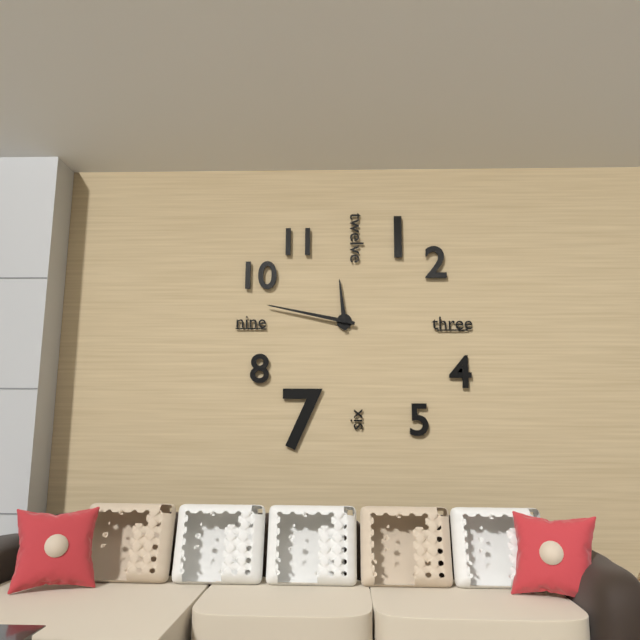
11h47
